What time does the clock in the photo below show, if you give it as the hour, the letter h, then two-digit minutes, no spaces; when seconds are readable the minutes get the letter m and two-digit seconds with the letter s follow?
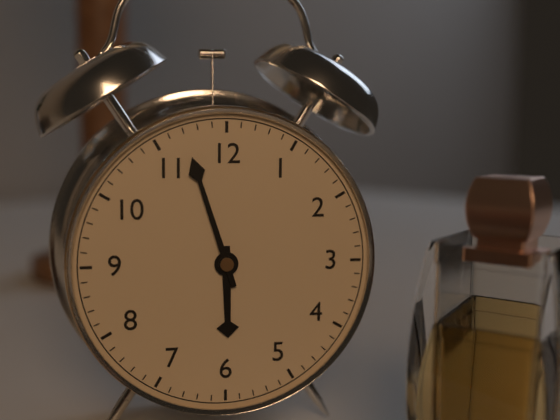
5h57
